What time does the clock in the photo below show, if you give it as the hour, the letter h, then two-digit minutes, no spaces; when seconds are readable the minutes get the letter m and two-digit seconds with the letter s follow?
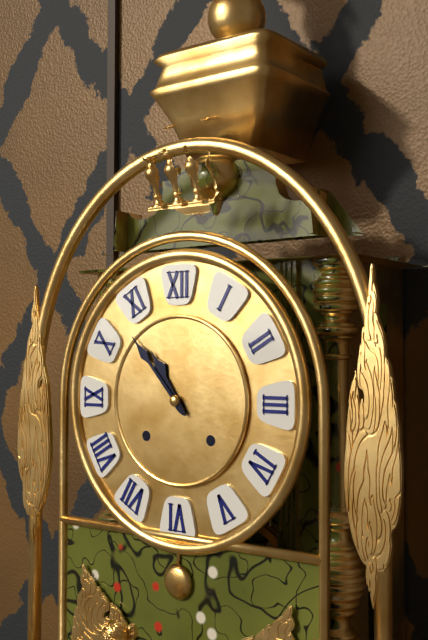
10h53
